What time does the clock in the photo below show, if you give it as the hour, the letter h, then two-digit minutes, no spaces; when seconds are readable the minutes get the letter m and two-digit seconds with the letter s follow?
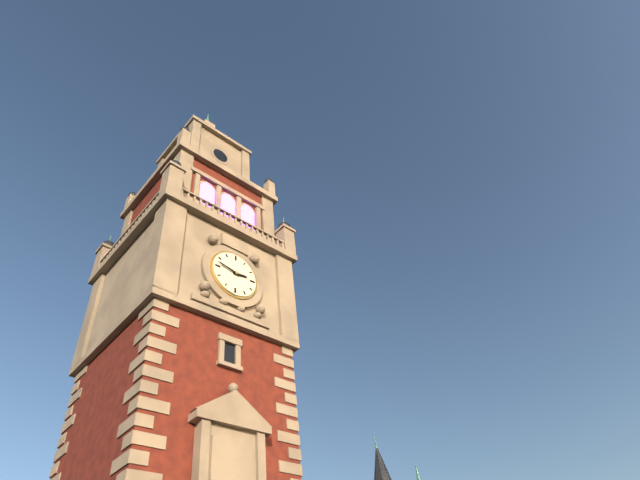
2h47
